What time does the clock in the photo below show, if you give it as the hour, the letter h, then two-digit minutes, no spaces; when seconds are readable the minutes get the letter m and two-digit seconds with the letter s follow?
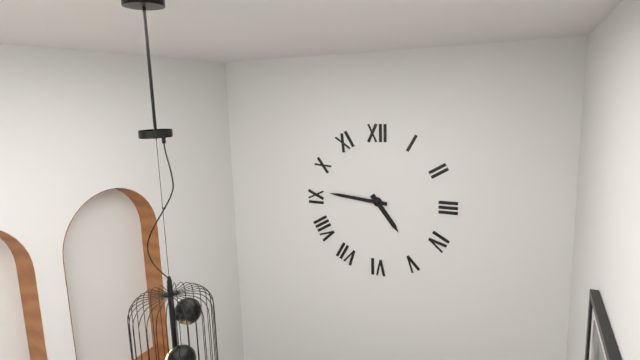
4h46
